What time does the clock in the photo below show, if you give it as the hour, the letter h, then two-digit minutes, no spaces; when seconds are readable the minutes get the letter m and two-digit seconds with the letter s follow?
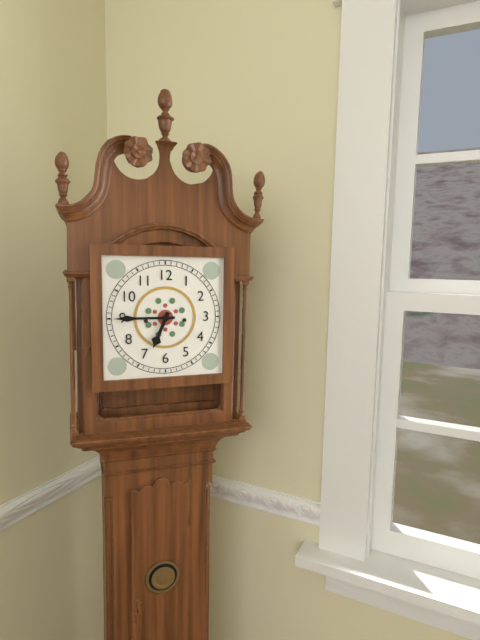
6h45
